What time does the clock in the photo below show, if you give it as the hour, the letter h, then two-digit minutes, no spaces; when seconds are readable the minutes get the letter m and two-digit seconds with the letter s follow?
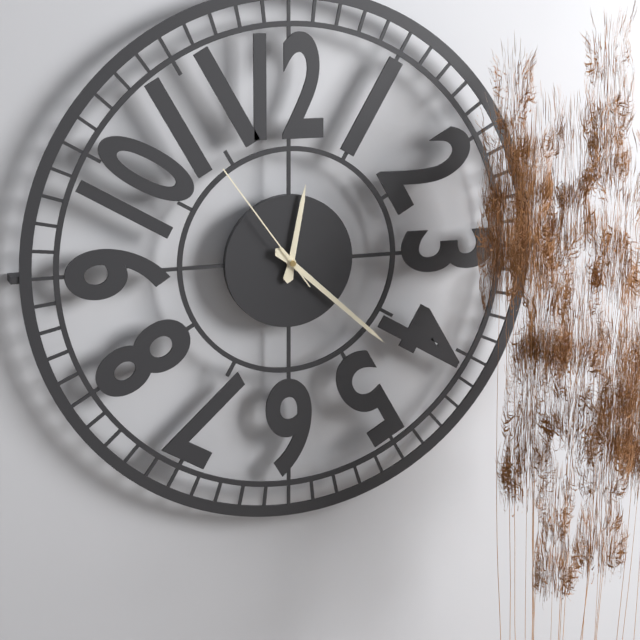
12h22m54s
